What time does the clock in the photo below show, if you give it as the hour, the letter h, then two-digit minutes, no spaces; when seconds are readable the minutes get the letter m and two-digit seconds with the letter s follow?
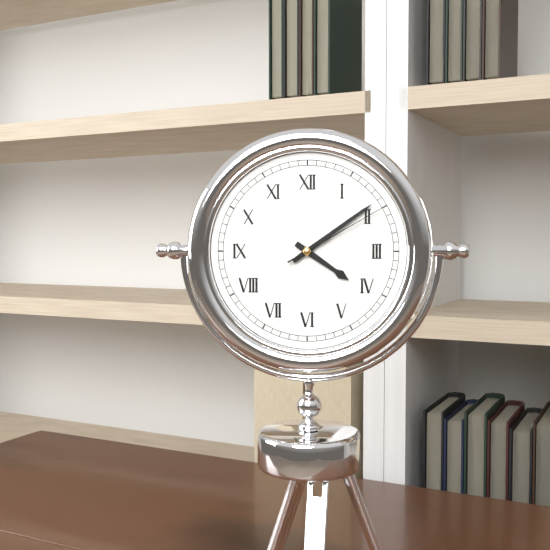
4h09m10s
